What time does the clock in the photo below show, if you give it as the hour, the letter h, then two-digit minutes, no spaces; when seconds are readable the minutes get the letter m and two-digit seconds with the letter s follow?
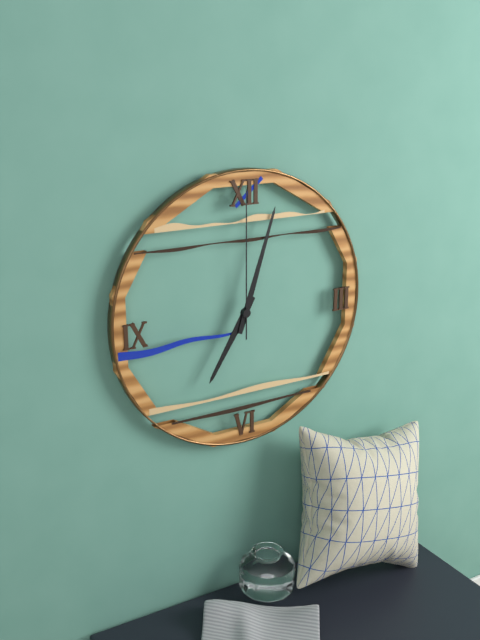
7h03m00s
